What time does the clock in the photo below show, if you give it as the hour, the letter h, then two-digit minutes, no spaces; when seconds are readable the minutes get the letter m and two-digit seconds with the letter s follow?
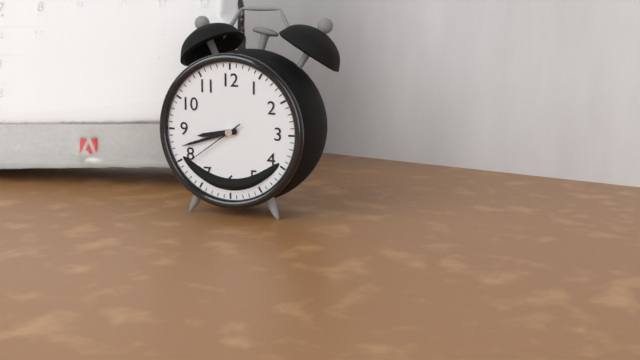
8h42m39s
